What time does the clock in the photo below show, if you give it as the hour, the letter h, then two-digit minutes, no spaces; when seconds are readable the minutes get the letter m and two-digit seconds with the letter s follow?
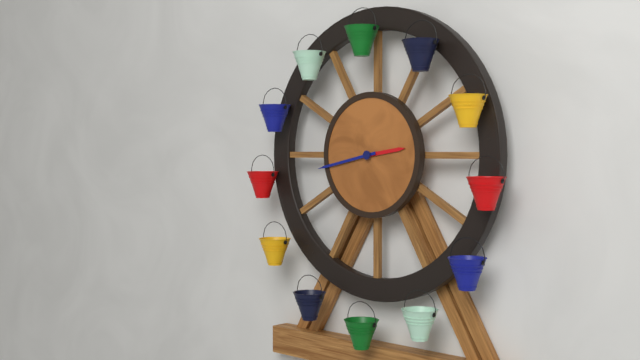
2h43
